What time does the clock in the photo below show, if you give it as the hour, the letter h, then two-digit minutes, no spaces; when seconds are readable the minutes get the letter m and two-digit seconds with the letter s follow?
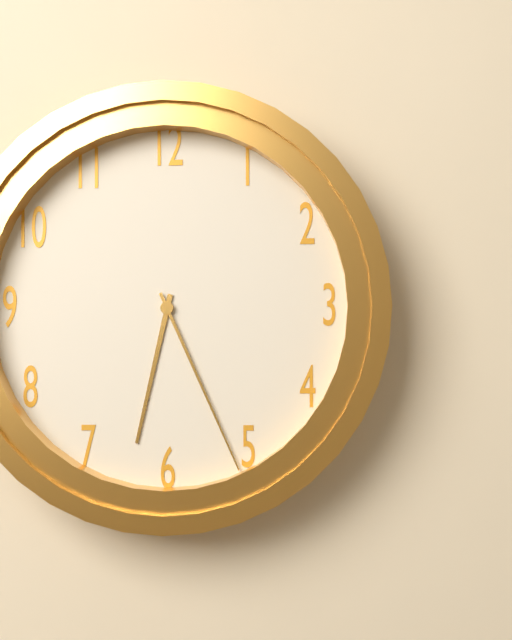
6h26
